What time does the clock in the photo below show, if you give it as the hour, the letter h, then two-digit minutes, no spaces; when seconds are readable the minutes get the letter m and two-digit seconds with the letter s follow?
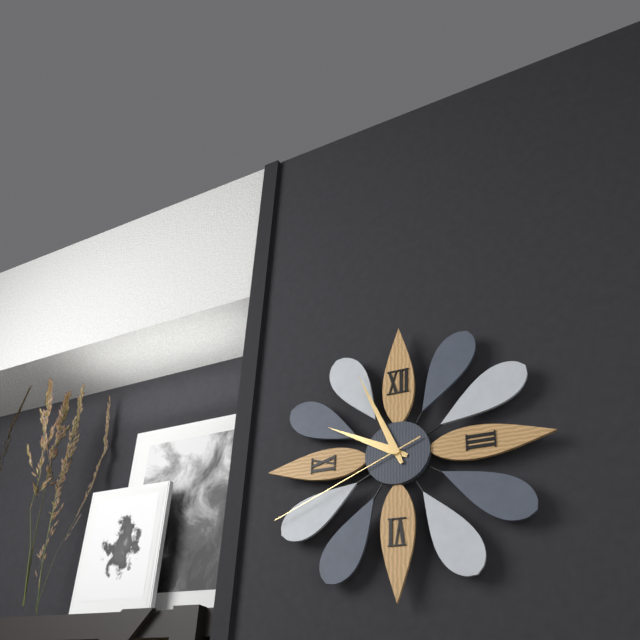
9h56m41s
